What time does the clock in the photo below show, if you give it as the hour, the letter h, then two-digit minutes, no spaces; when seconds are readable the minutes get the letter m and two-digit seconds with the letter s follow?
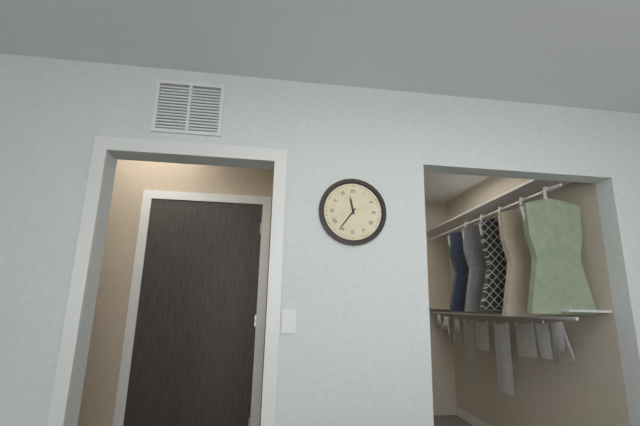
11h36
